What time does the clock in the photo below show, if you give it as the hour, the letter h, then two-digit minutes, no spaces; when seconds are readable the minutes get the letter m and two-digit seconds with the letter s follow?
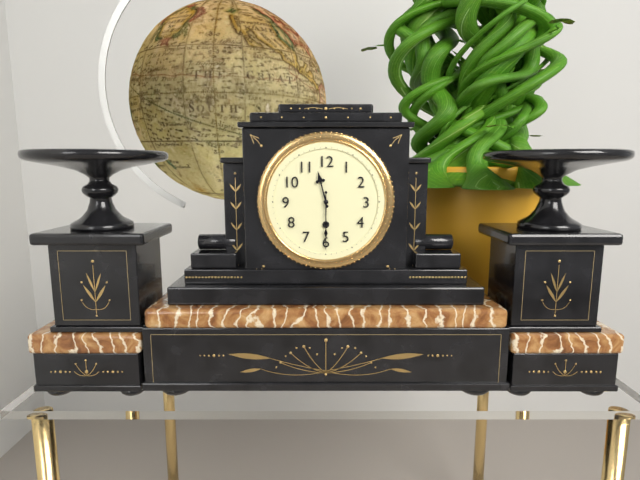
11h30
